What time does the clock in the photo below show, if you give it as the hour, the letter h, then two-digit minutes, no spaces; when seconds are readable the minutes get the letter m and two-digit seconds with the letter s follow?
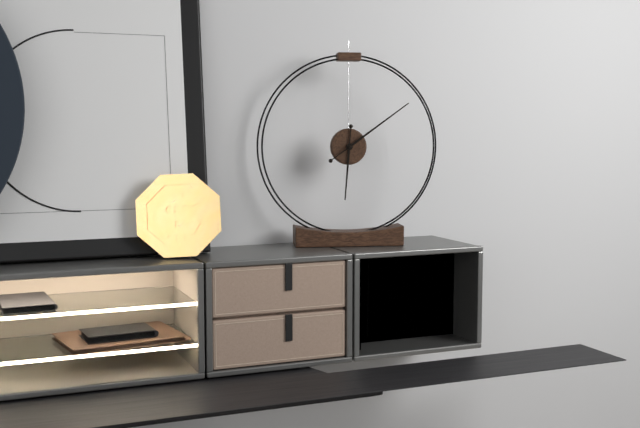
6h09
